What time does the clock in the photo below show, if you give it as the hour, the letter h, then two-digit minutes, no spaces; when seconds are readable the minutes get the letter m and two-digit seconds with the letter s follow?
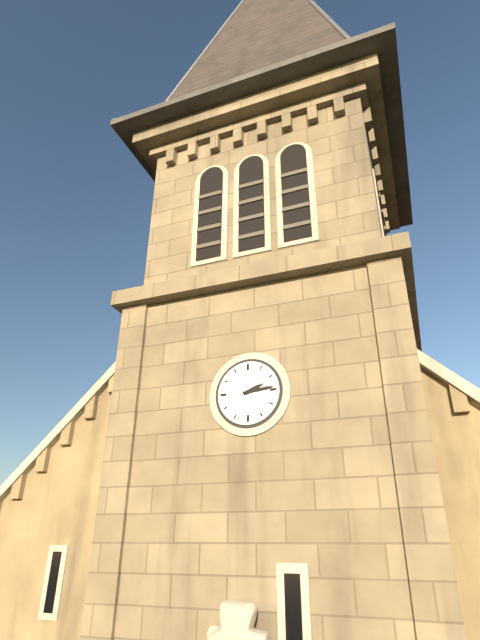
2h14
